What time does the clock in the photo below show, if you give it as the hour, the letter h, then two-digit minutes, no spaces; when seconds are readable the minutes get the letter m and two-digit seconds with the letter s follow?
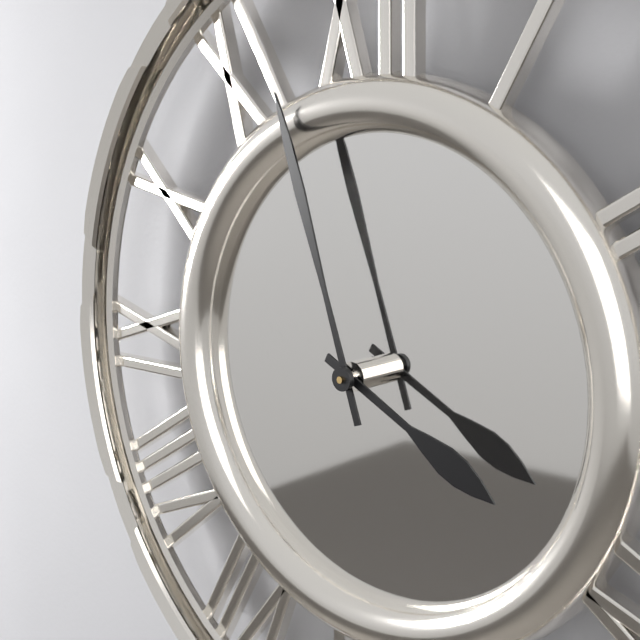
3h57
